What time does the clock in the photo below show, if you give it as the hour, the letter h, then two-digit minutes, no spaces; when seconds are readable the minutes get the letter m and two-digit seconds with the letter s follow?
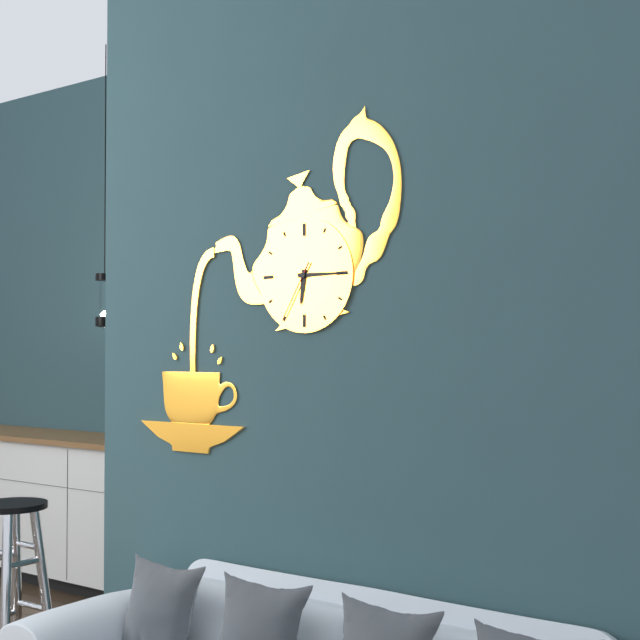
6h15m35s
